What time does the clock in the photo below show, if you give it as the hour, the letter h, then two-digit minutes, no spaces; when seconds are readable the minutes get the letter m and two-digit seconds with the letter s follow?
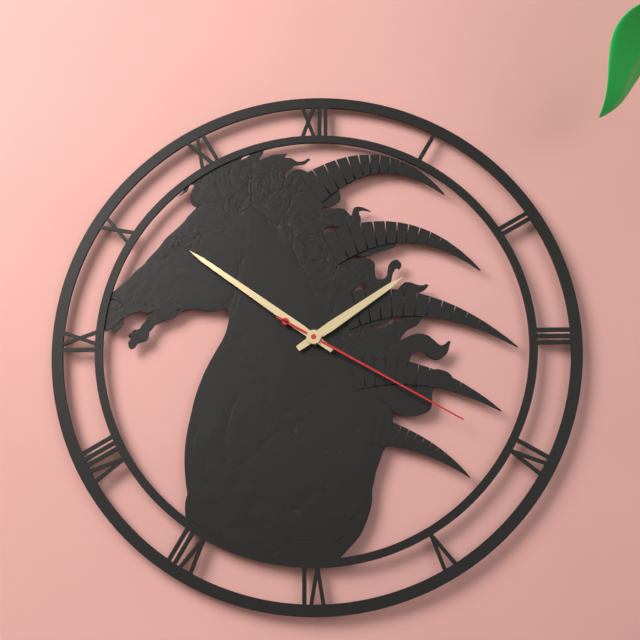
1h51m20s
